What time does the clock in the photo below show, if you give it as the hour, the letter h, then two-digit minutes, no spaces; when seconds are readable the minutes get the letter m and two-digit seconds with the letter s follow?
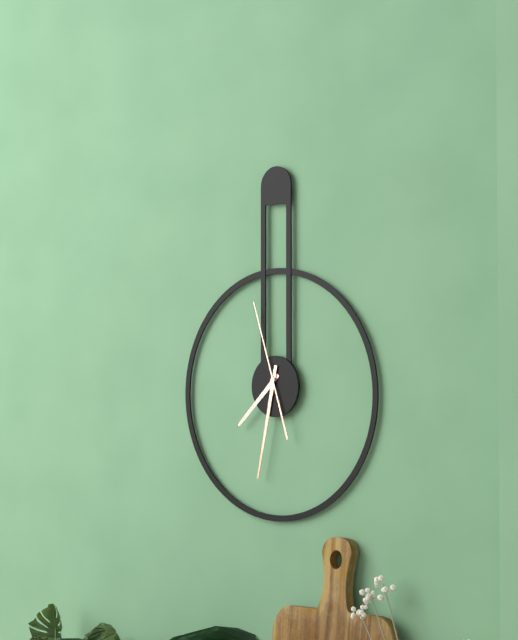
7h32m57s
